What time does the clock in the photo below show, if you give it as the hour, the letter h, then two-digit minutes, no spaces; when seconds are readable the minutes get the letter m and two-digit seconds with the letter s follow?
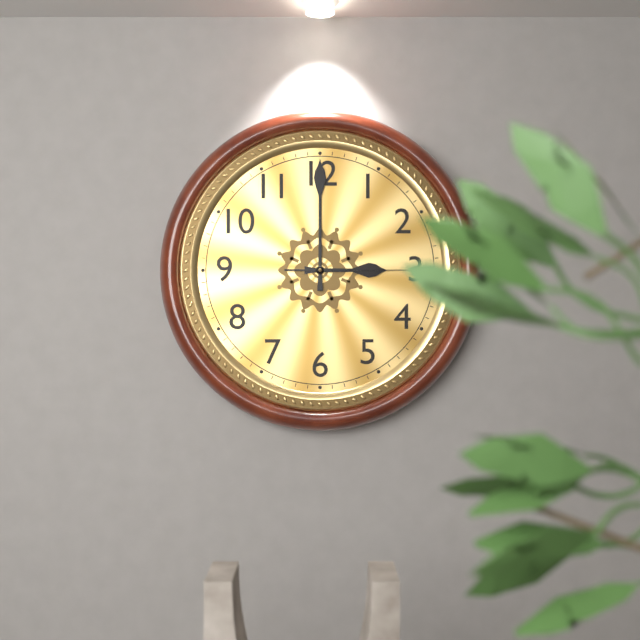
3h00m15s
